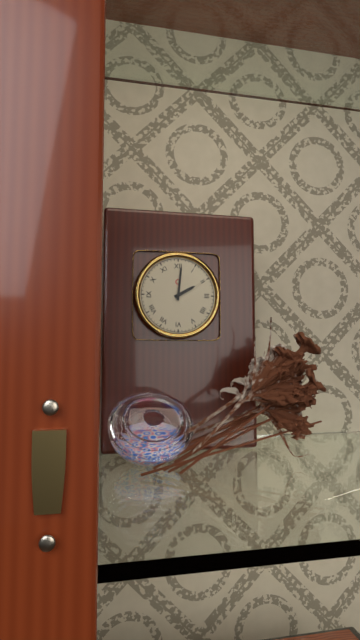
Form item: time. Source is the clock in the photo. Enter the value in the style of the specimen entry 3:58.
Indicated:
2:01
